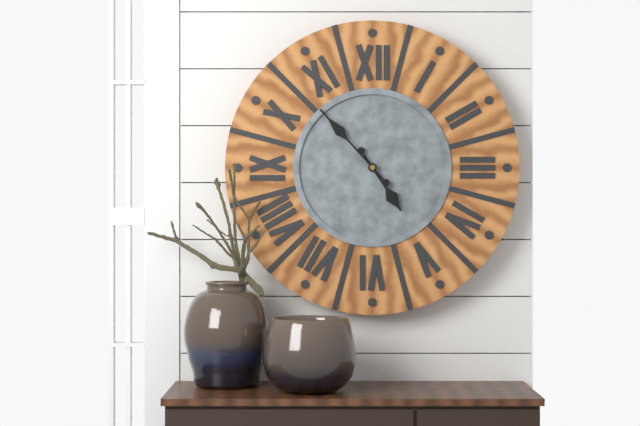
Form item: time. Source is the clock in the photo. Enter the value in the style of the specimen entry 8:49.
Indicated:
4:53
